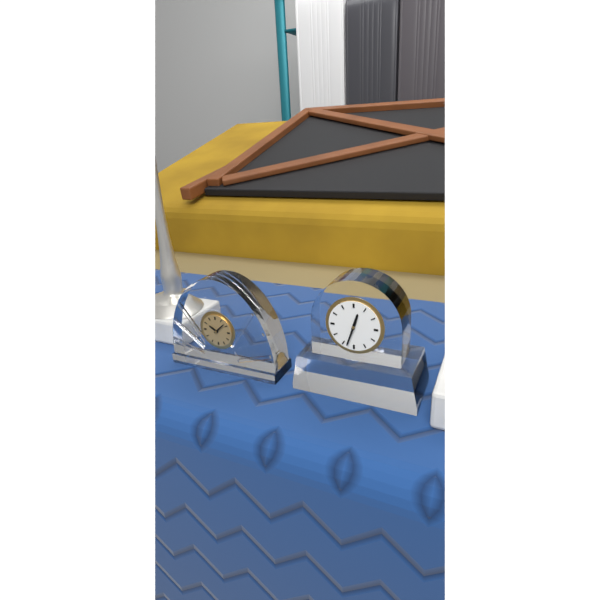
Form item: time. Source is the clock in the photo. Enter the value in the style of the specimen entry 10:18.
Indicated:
12:33
